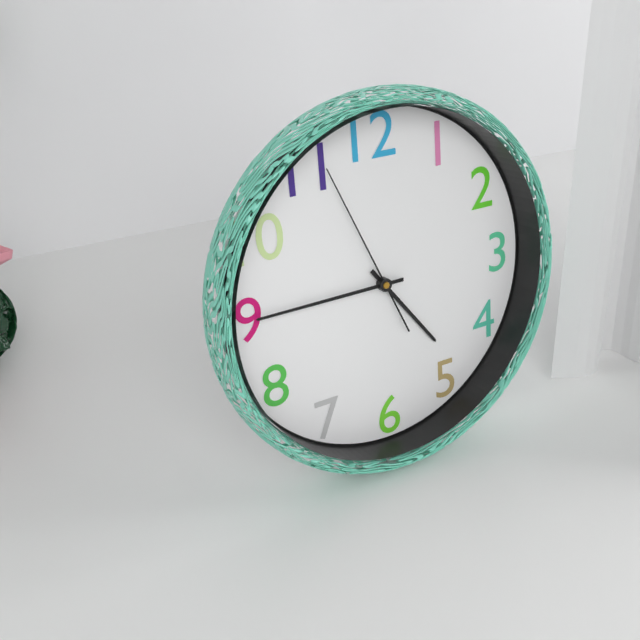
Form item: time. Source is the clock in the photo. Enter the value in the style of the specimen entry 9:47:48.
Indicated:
4:45:56
